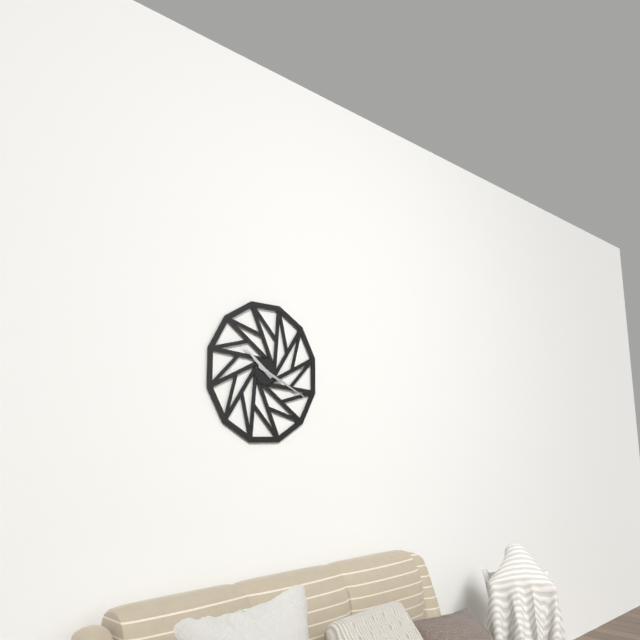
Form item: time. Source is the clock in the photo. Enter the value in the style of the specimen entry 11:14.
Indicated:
10:19
